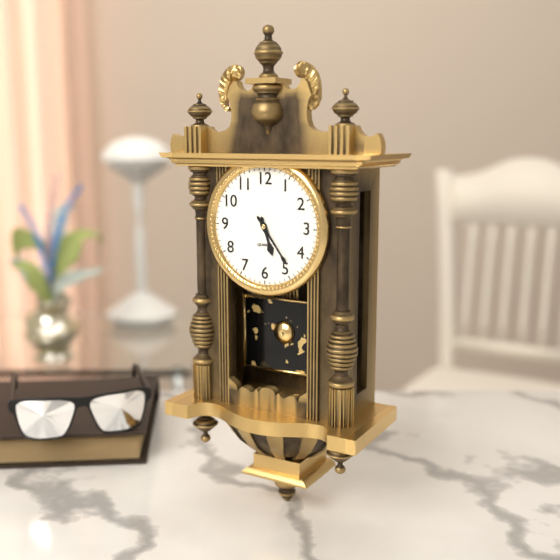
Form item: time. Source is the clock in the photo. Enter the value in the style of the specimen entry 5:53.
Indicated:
5:24
